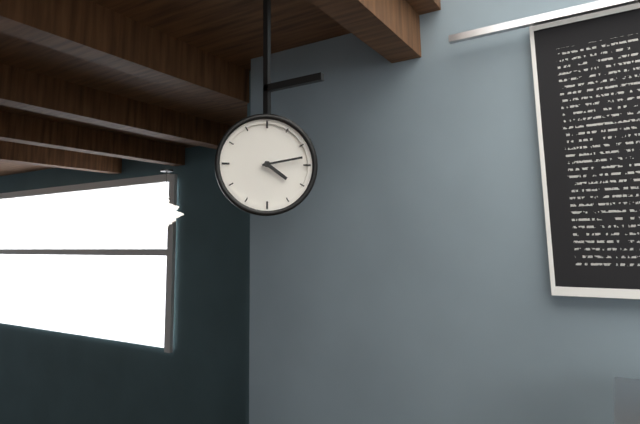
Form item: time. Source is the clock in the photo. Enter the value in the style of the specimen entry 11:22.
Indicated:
4:13
